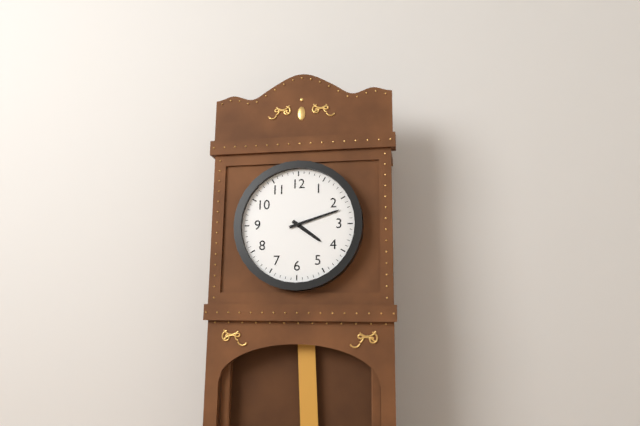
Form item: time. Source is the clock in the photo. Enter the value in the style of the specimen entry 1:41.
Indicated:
4:12
